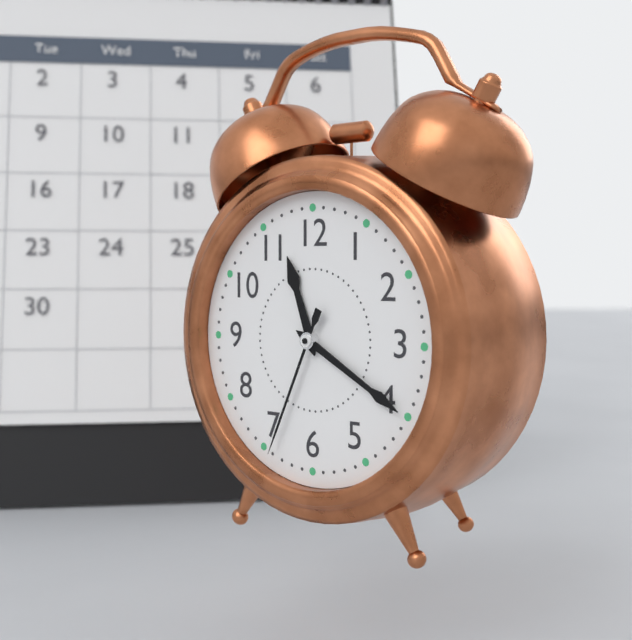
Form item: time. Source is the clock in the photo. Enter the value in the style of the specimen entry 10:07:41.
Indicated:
11:20:34
